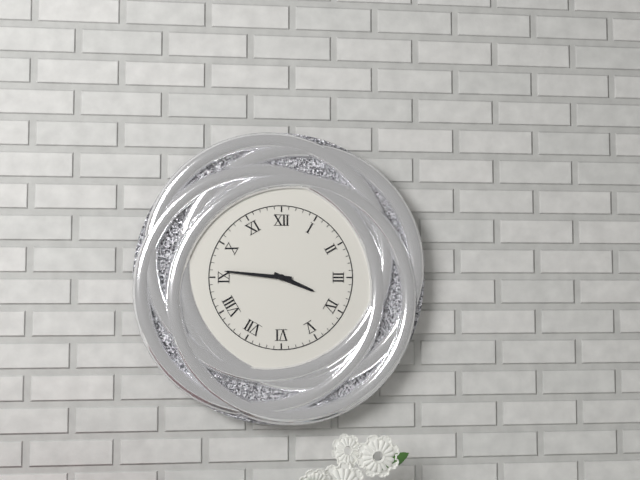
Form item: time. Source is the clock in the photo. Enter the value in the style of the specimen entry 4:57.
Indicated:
3:46
